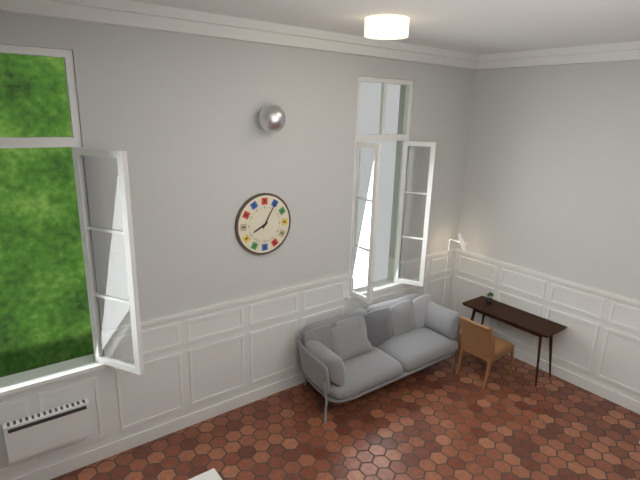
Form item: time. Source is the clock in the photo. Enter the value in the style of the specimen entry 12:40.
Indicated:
8:05
